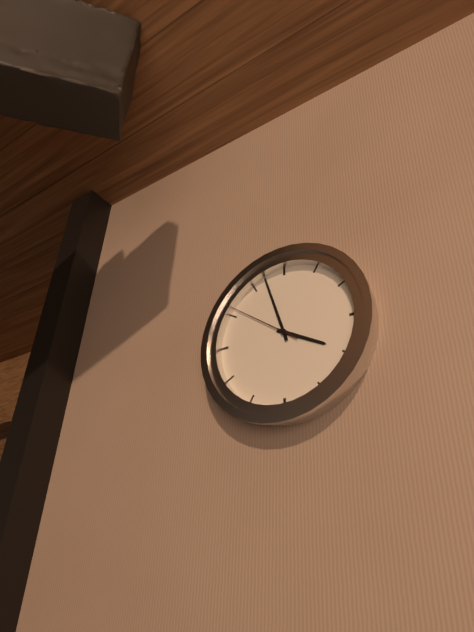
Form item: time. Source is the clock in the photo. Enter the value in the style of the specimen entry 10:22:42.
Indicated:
3:57:51
